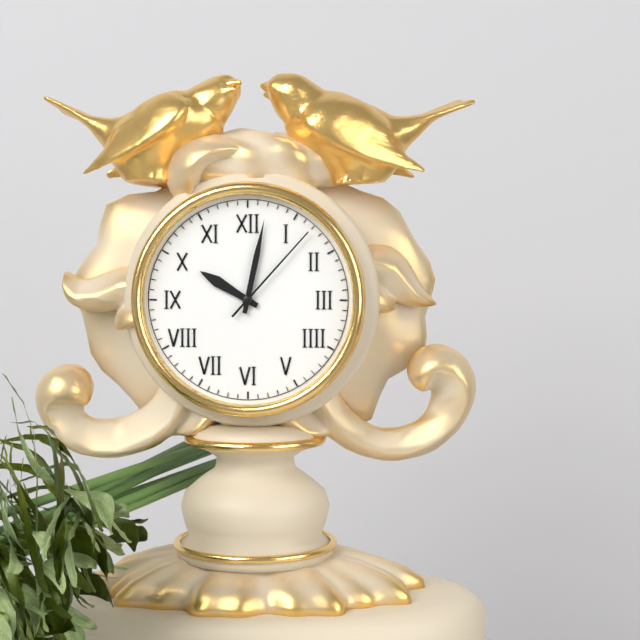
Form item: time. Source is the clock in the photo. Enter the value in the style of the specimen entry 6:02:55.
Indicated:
10:02:07
